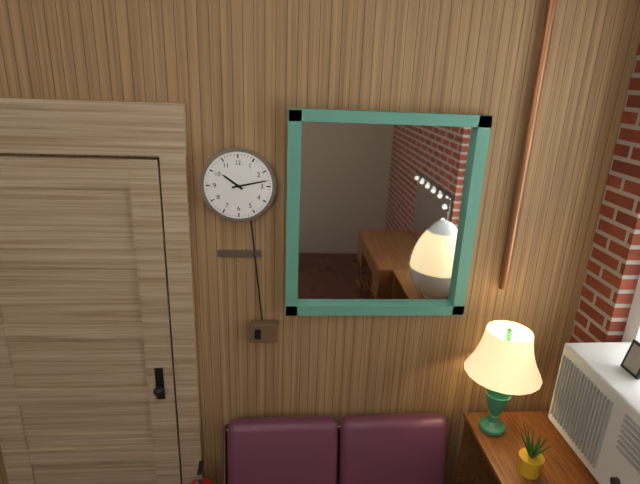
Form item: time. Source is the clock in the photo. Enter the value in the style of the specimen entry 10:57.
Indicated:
10:13
